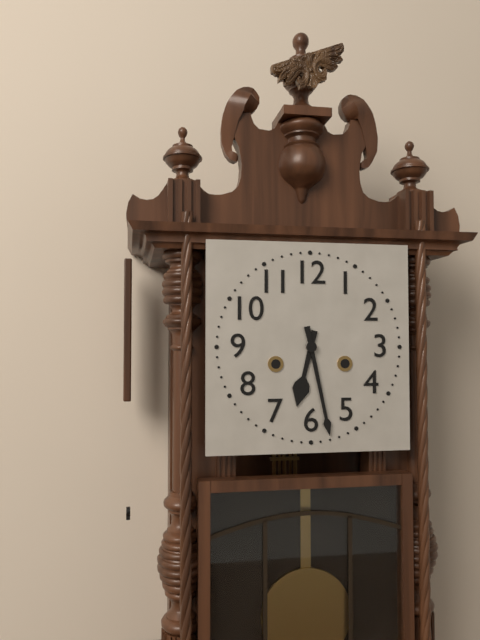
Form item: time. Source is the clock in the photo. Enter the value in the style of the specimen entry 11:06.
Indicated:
6:28
